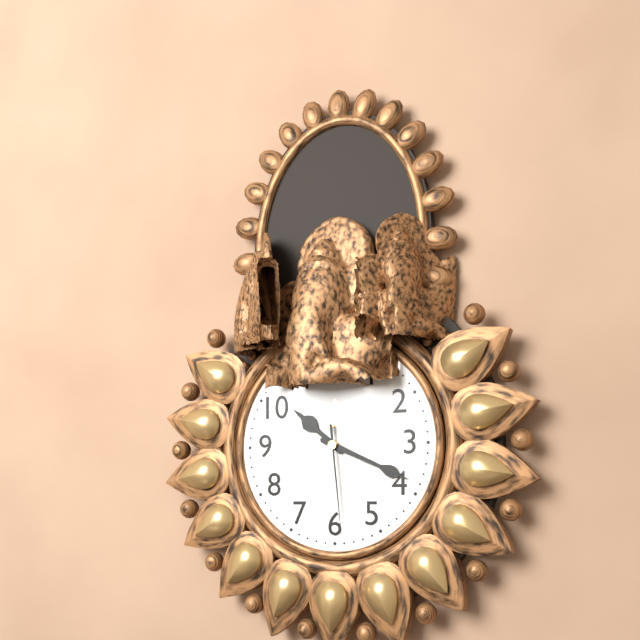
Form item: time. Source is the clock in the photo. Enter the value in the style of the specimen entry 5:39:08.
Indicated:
10:19:29
